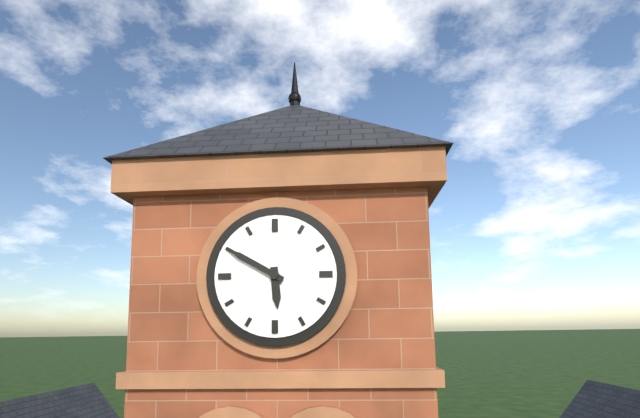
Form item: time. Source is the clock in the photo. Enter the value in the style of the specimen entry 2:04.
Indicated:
5:50
